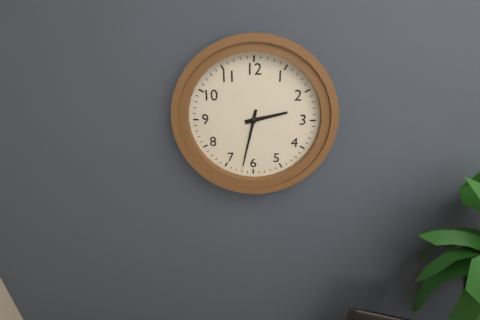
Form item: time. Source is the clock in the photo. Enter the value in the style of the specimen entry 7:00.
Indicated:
2:32
